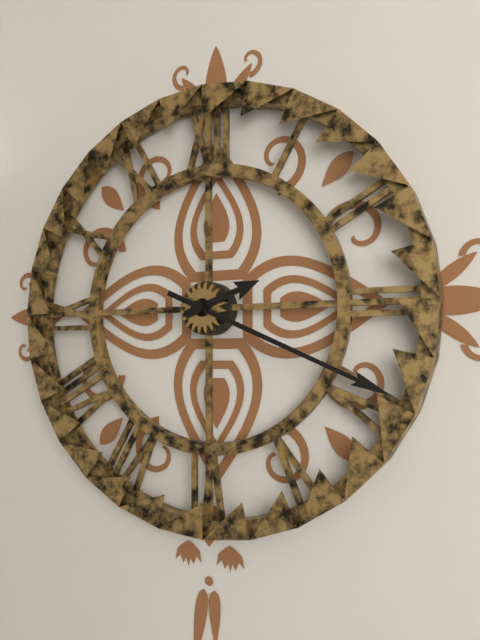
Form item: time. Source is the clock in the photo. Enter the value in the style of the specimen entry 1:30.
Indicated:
2:19
